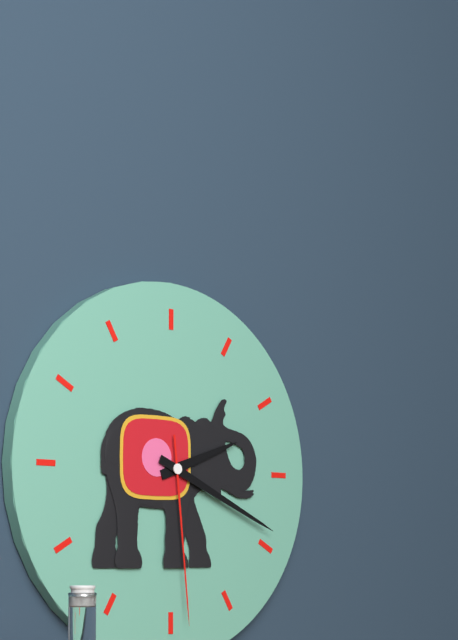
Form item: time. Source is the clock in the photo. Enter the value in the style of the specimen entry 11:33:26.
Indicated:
2:19:29
